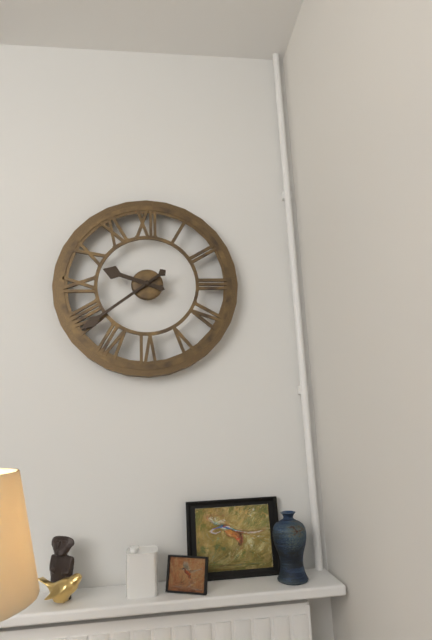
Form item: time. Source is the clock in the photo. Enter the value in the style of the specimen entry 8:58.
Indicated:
9:39
